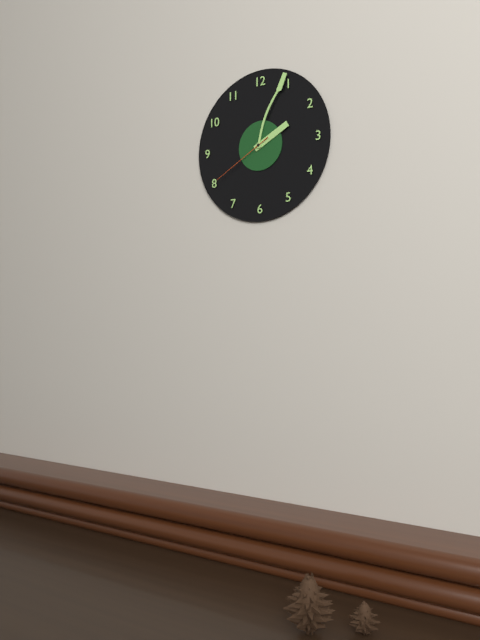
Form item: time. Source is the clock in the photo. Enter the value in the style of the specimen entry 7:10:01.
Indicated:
2:04:40
